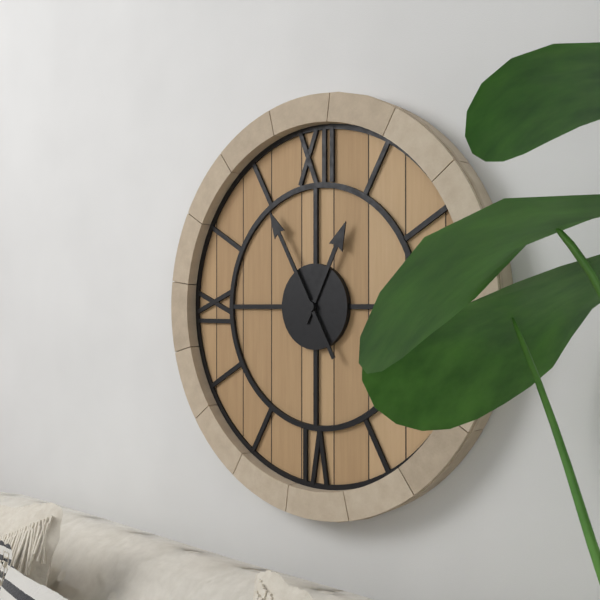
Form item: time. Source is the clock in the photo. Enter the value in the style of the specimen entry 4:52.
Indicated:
12:55
